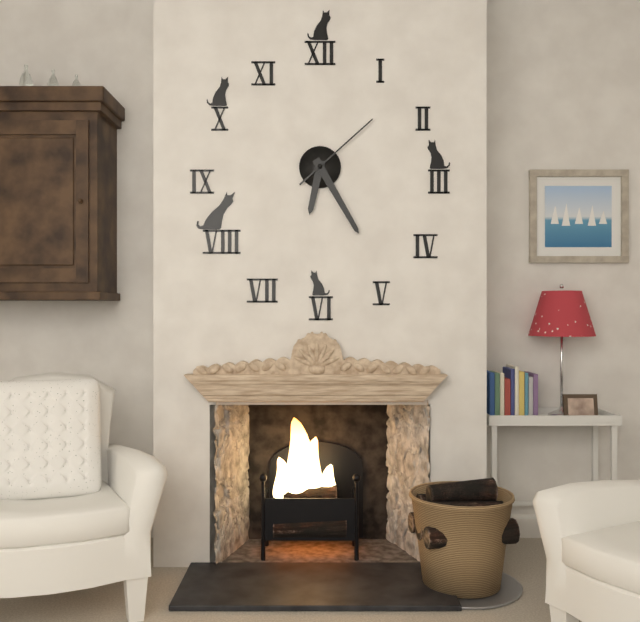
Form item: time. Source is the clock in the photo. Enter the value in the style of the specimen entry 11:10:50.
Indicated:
6:25:08
